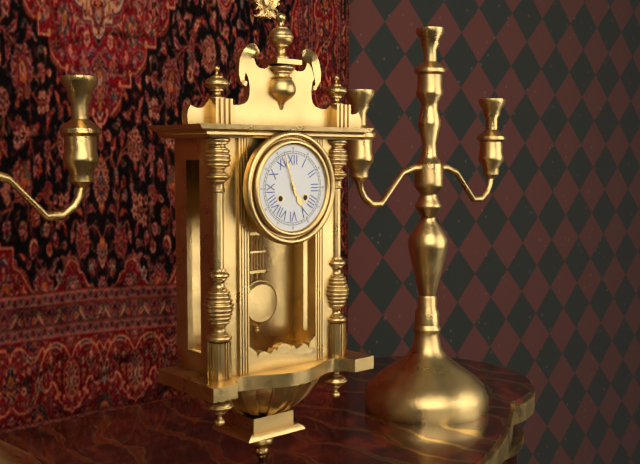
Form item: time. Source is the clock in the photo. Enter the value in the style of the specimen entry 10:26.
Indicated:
4:57
